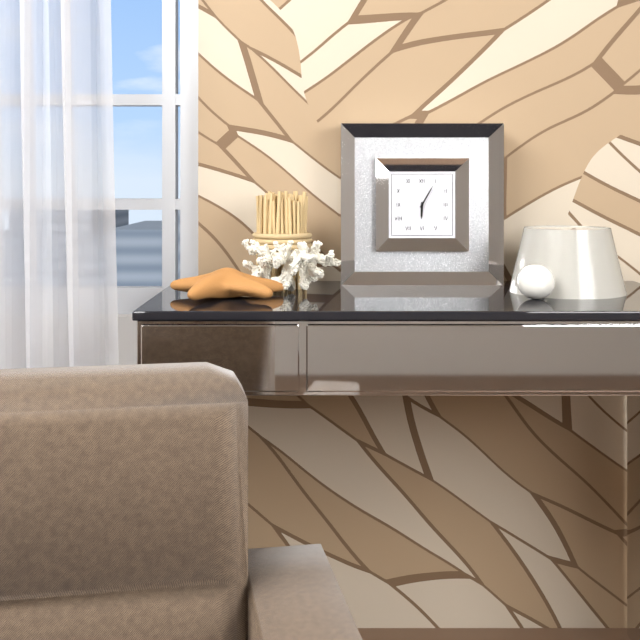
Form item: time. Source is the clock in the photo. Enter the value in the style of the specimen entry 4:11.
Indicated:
6:05
